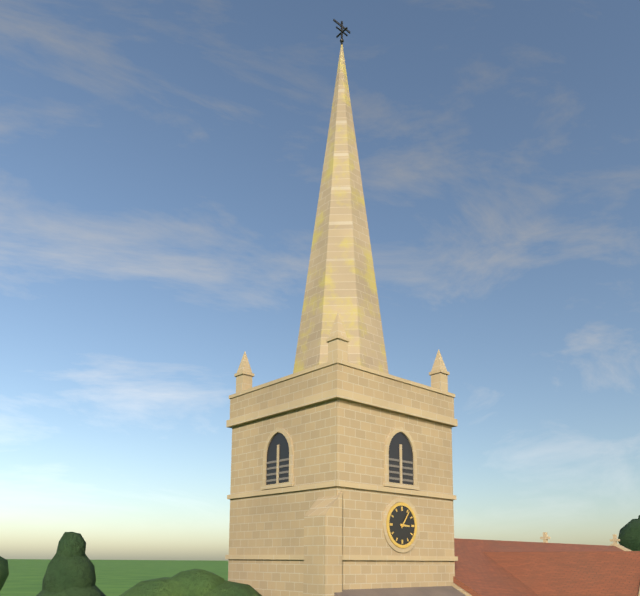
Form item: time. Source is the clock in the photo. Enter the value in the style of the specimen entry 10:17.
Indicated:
3:06
